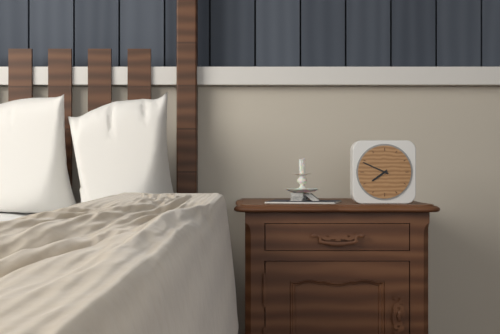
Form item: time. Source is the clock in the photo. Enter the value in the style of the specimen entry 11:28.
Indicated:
7:49
